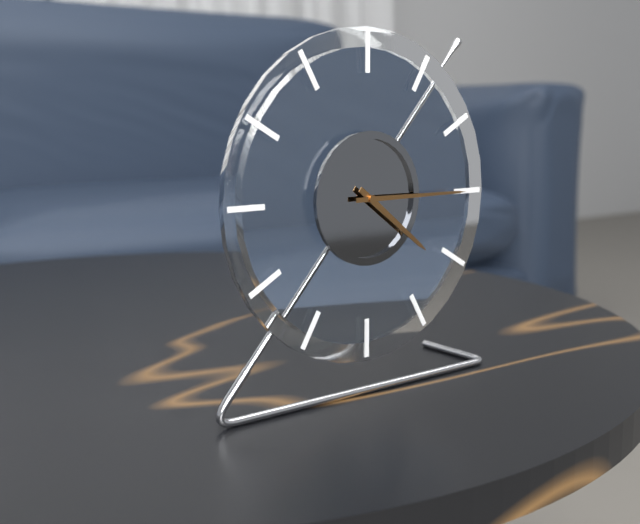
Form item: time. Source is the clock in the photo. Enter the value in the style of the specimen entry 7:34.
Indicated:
4:15
